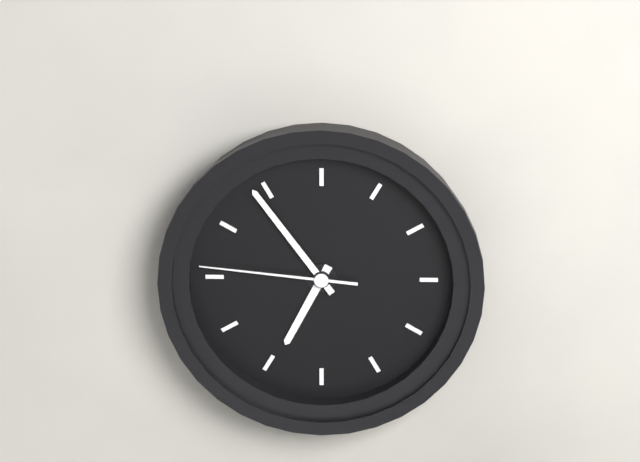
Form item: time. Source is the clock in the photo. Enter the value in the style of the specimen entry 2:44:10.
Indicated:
6:54:46
